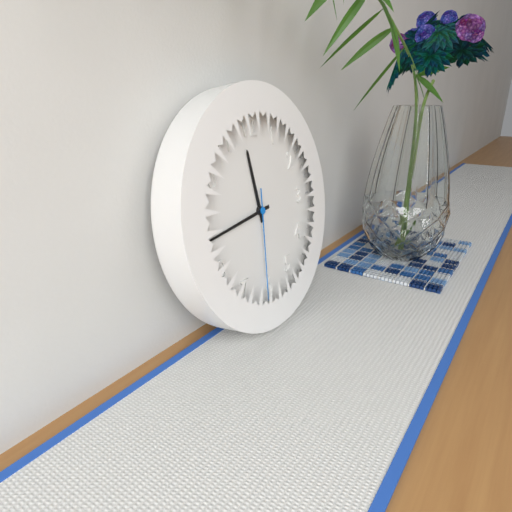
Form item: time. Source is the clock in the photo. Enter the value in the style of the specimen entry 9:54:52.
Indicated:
11:44:31
